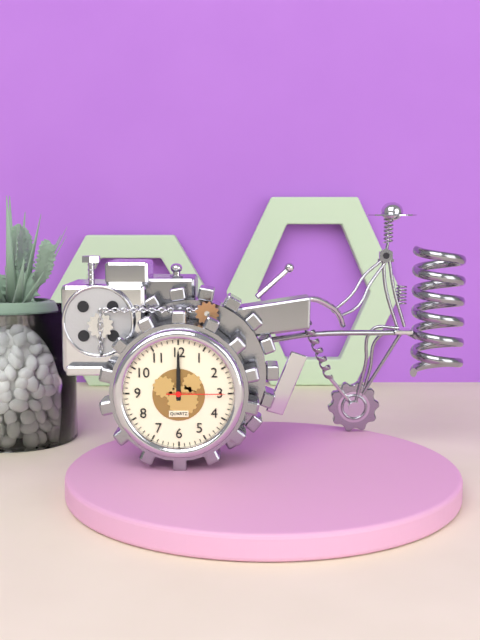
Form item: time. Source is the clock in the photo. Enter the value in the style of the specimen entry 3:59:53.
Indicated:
12:00:15
